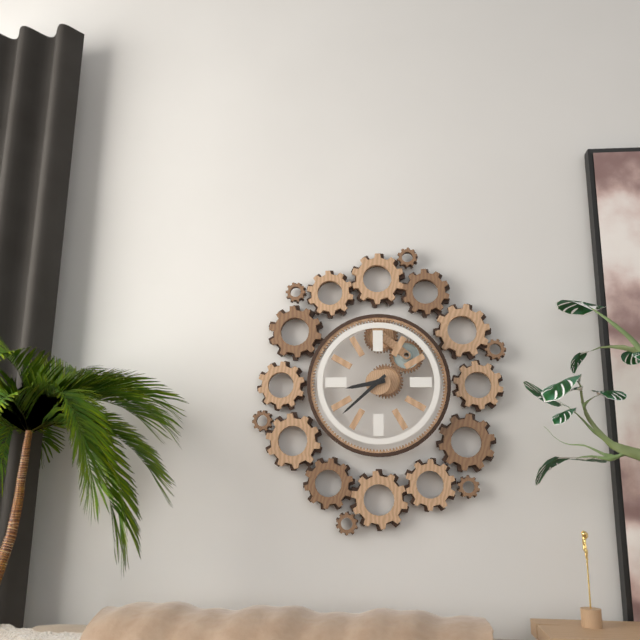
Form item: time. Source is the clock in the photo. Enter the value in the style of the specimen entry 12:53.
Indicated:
8:38
